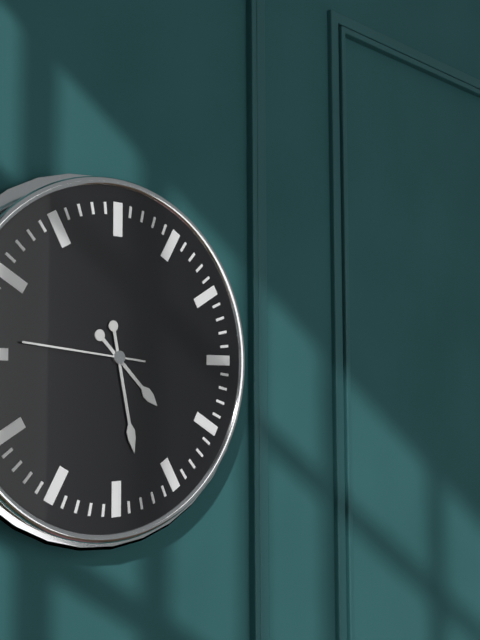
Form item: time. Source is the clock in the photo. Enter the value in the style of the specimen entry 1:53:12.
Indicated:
4:28:46
